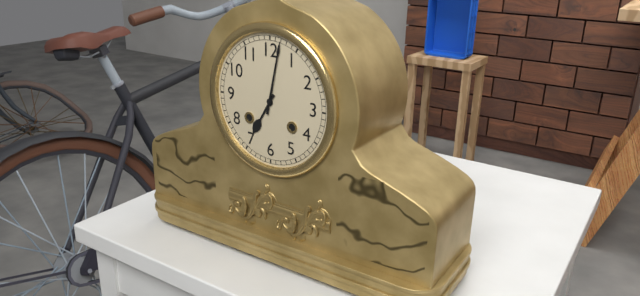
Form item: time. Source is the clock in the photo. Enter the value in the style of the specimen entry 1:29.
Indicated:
7:02
